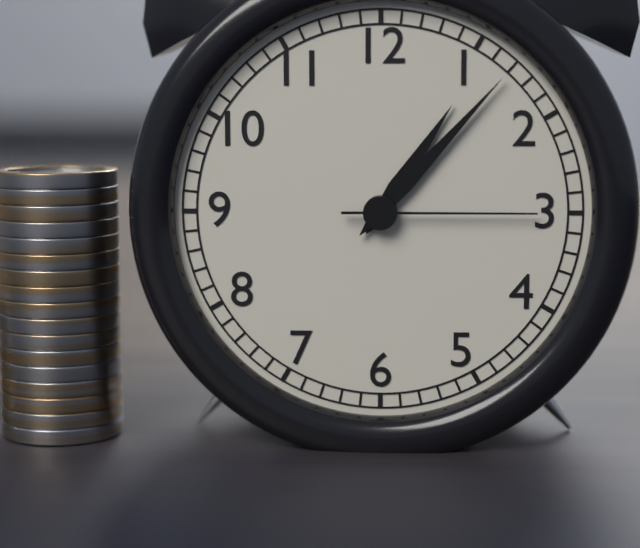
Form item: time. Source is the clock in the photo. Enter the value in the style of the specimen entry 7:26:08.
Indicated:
1:07:15
